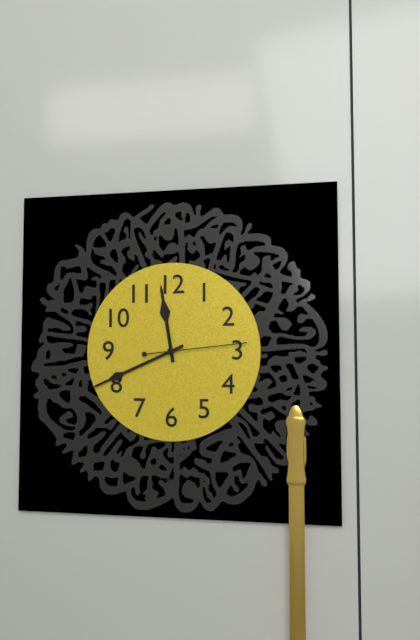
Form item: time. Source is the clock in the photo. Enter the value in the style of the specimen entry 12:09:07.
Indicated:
11:41:14
